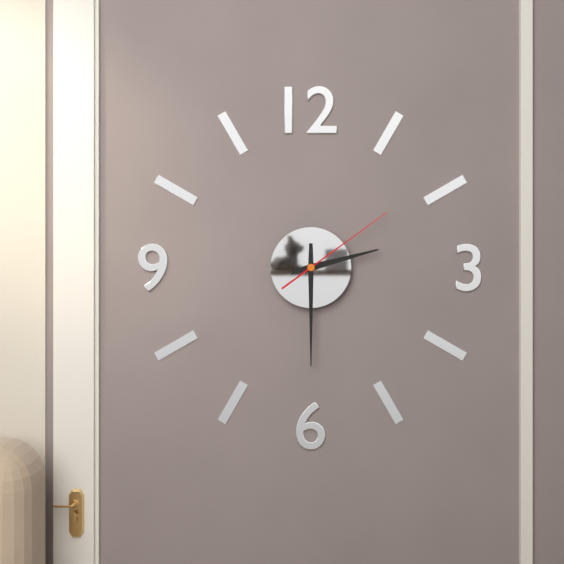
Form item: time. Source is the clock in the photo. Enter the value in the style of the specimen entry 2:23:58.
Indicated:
2:30:09
